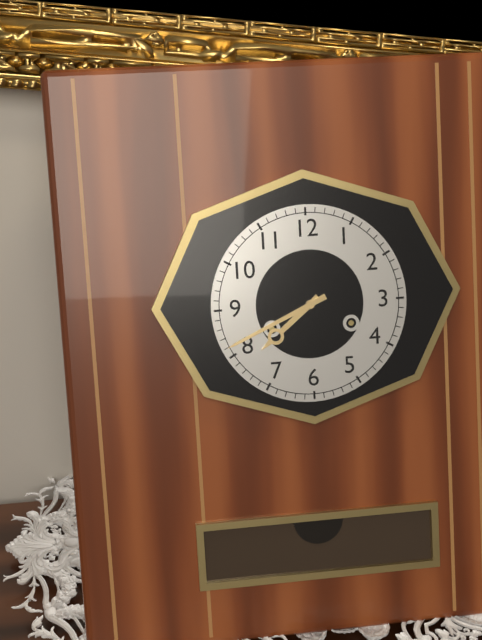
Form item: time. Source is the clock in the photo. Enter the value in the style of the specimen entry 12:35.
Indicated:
7:41
